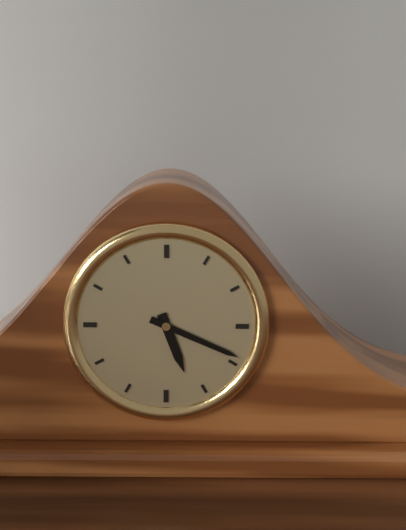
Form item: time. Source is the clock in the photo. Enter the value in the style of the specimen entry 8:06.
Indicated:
5:19
